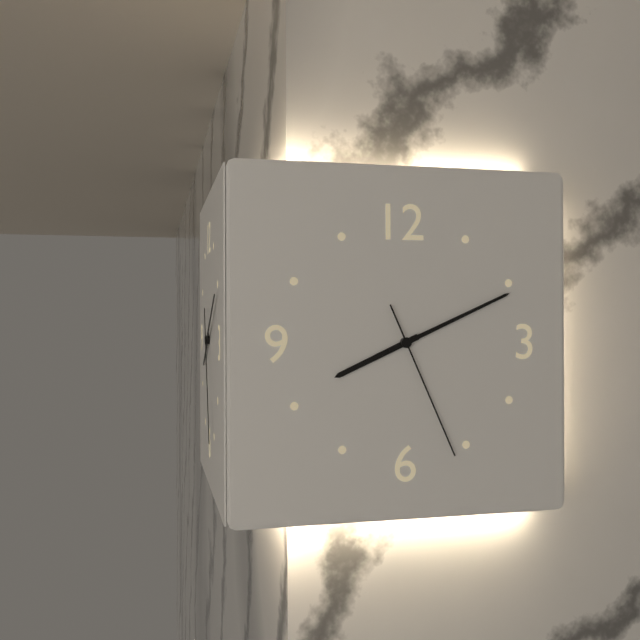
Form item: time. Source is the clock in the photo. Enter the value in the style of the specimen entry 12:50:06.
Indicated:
8:11:26
